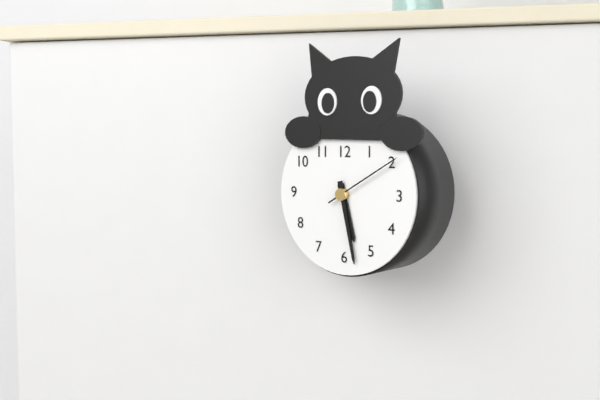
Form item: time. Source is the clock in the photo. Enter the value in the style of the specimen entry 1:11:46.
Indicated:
5:28:10
